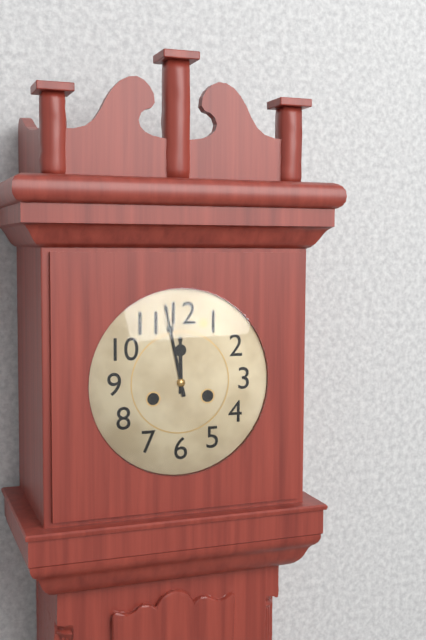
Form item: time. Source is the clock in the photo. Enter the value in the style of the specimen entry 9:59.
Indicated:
11:58
